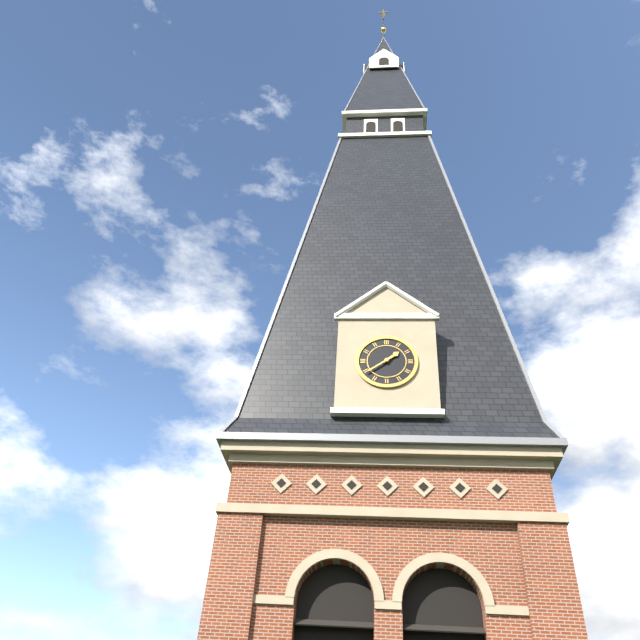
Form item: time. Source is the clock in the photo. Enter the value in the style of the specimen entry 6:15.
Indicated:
1:39
